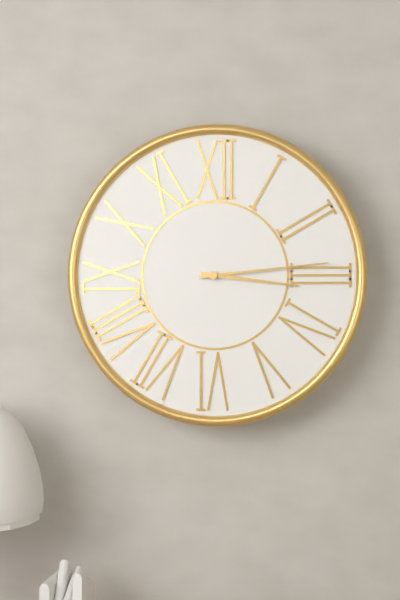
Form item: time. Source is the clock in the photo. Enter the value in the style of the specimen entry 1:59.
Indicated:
3:14
